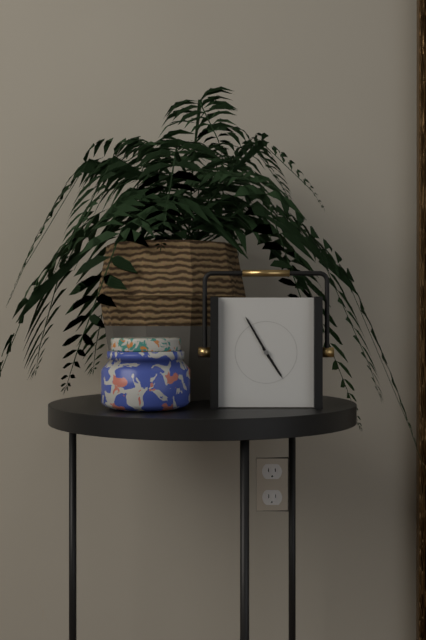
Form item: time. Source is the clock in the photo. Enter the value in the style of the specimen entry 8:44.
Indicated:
4:55
